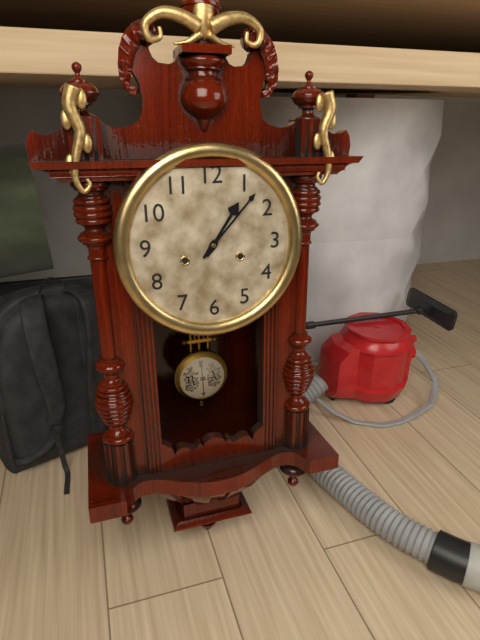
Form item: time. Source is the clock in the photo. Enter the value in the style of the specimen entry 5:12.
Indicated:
1:07
